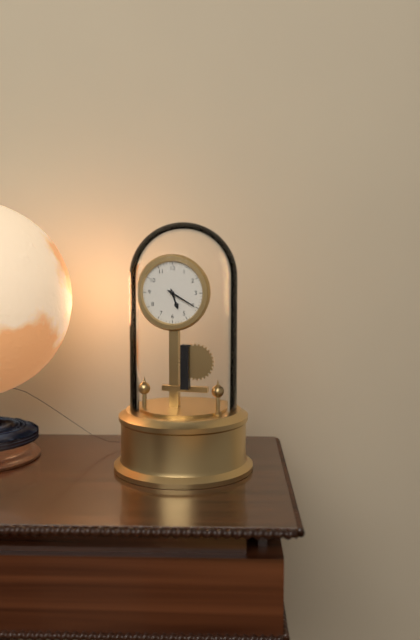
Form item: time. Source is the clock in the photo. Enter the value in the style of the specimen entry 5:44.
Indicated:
5:20
